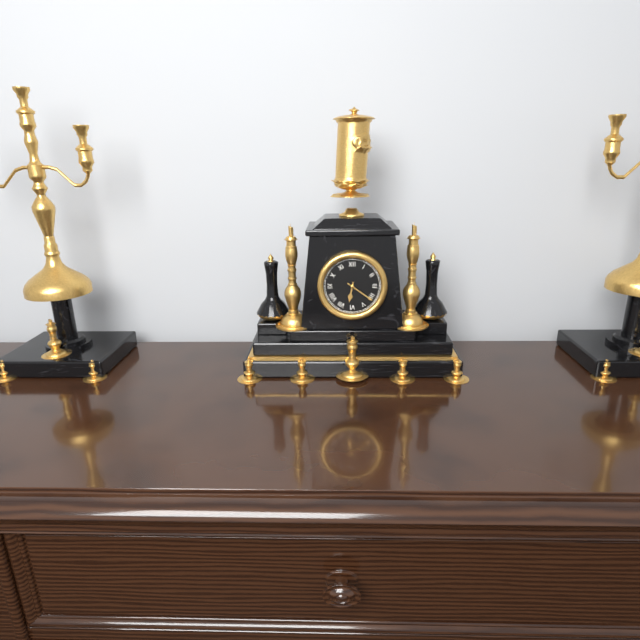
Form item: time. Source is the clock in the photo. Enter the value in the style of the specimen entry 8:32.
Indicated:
6:21
